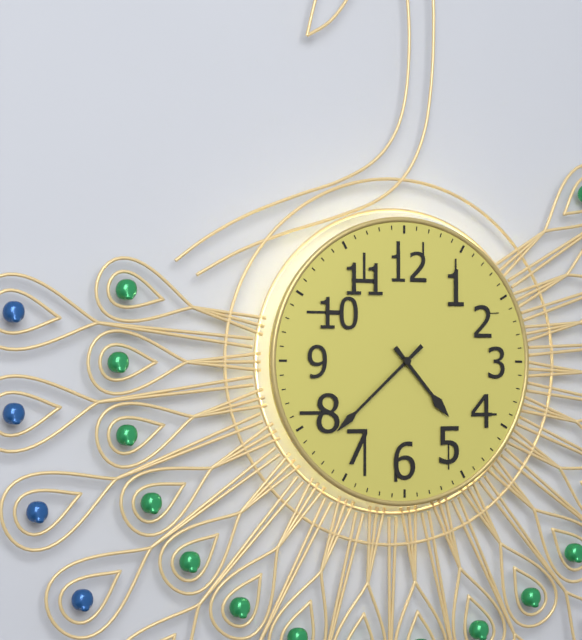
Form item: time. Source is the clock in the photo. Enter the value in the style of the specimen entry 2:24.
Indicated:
4:38
